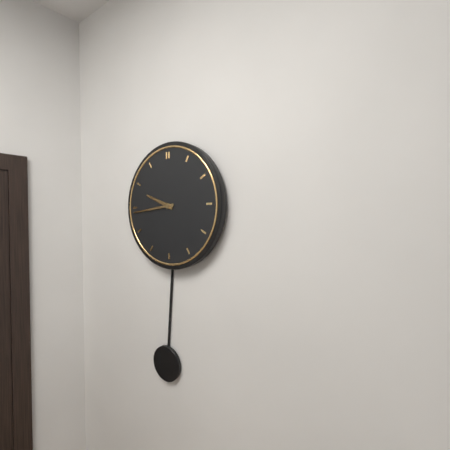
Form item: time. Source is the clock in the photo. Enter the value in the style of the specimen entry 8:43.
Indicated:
9:44
